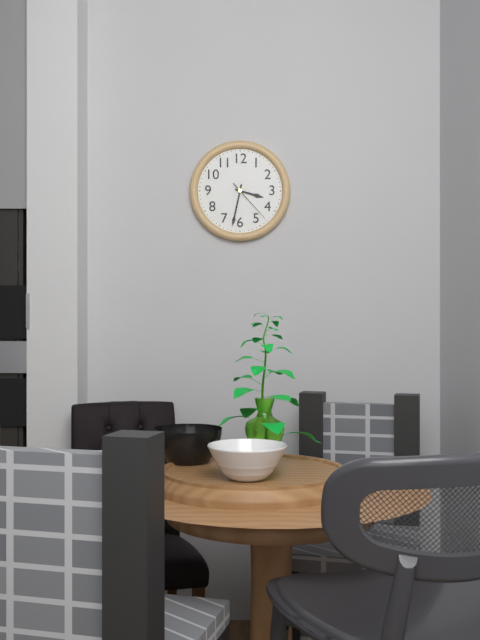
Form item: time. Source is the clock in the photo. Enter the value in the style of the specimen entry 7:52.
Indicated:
3:32
